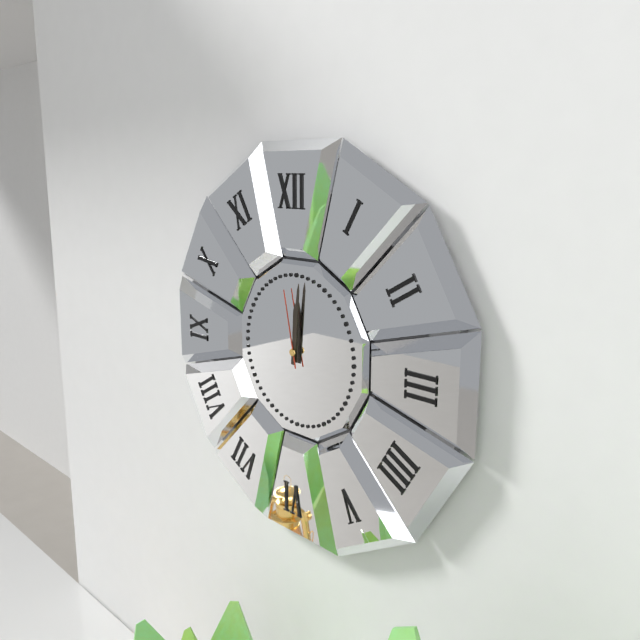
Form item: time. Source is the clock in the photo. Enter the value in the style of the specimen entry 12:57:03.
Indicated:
12:01:58
